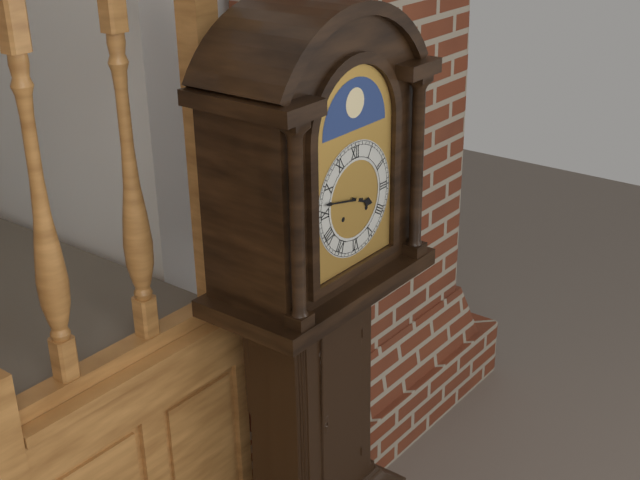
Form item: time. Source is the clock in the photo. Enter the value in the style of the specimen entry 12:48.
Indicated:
3:47
